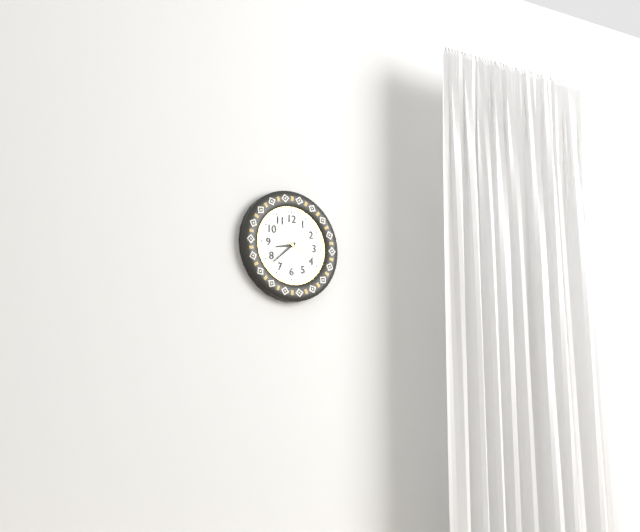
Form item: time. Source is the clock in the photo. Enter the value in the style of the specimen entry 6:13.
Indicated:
8:38
